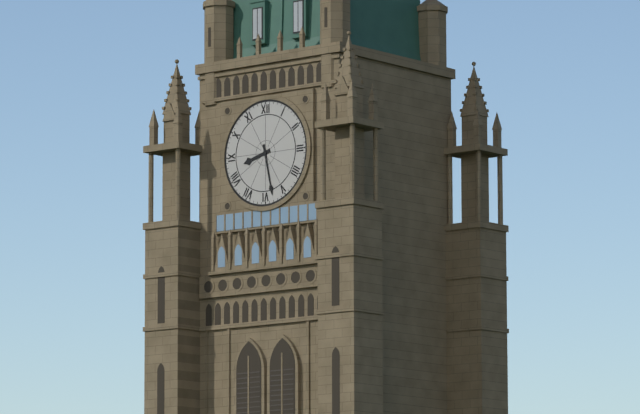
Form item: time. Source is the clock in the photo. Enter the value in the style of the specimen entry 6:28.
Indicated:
8:28
